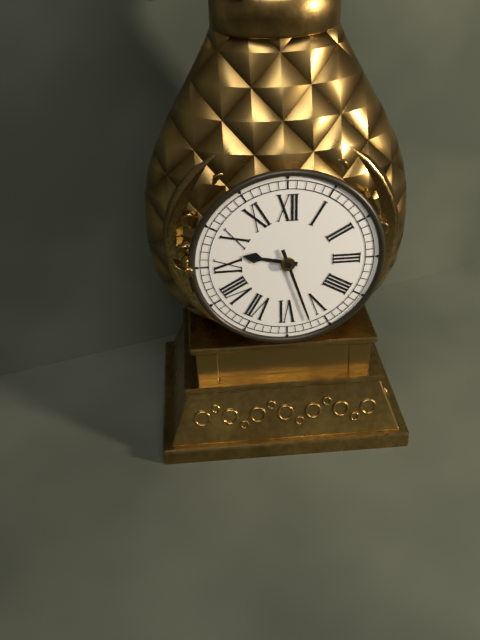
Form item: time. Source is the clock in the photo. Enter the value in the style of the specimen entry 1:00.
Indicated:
9:27
